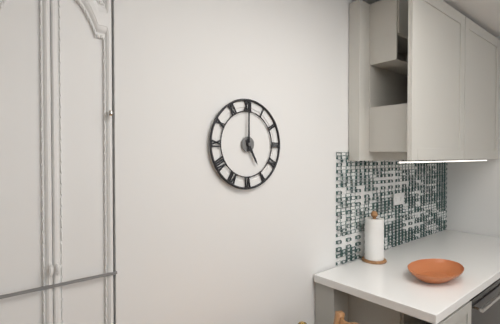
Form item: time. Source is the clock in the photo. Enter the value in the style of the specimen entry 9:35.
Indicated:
5:00
